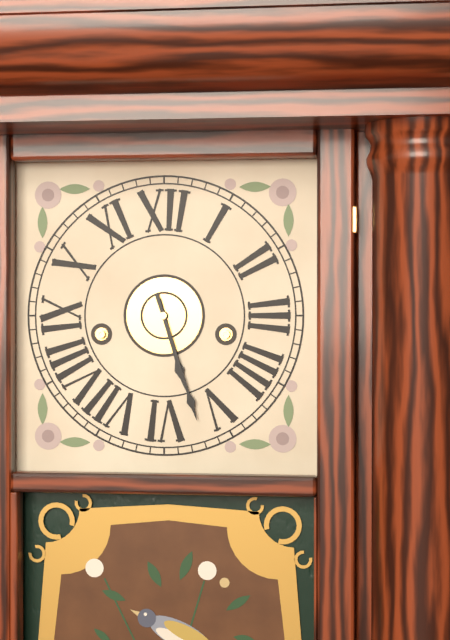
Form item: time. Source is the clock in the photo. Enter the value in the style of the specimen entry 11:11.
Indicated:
5:27
